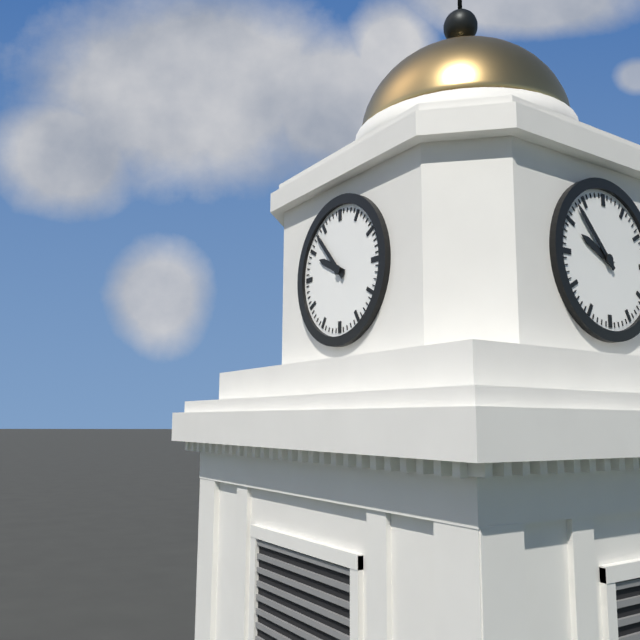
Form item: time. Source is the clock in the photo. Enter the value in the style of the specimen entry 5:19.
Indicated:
9:53
